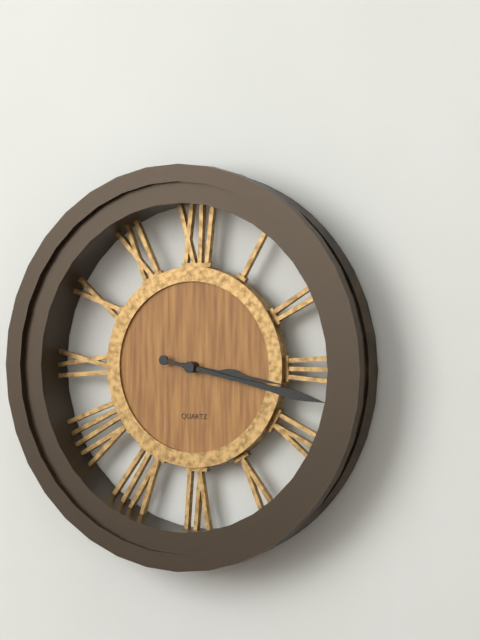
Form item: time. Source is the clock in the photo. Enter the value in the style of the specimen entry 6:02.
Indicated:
3:17
